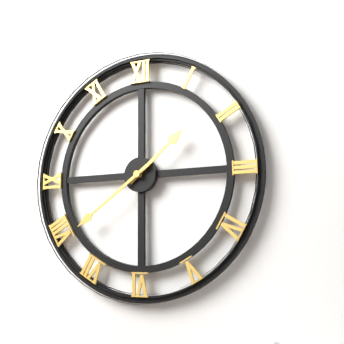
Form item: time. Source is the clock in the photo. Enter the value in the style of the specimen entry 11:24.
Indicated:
1:39
